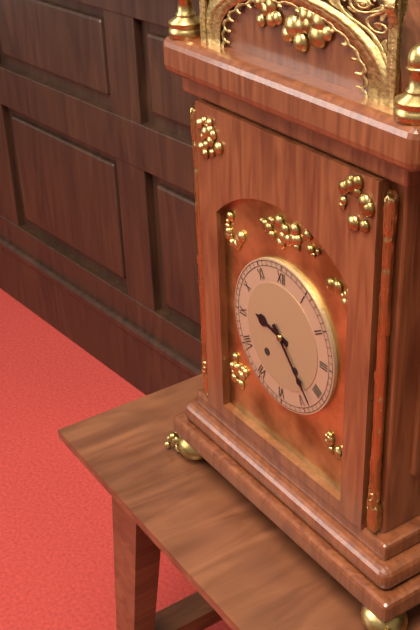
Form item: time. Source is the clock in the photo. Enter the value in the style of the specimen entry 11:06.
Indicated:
9:23
